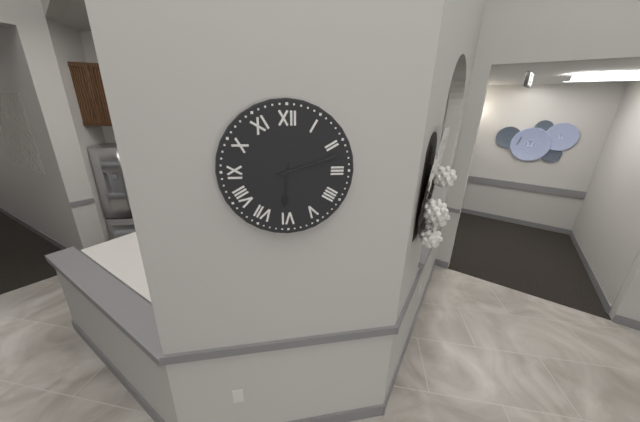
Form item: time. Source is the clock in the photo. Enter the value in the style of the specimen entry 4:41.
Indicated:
6:12
